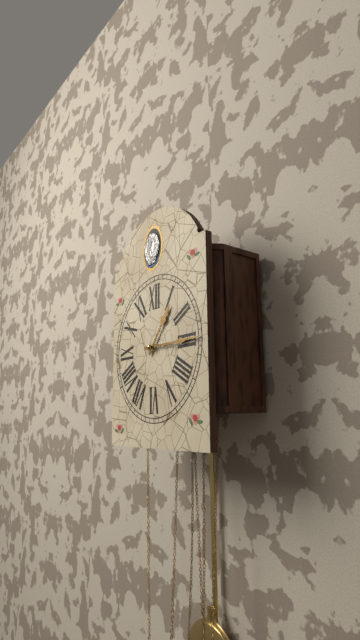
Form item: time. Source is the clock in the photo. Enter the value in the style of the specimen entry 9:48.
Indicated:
1:15
